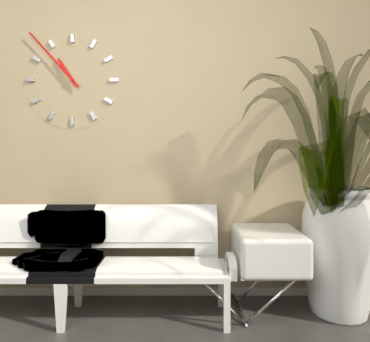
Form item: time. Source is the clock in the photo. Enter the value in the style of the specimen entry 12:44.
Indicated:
10:53
